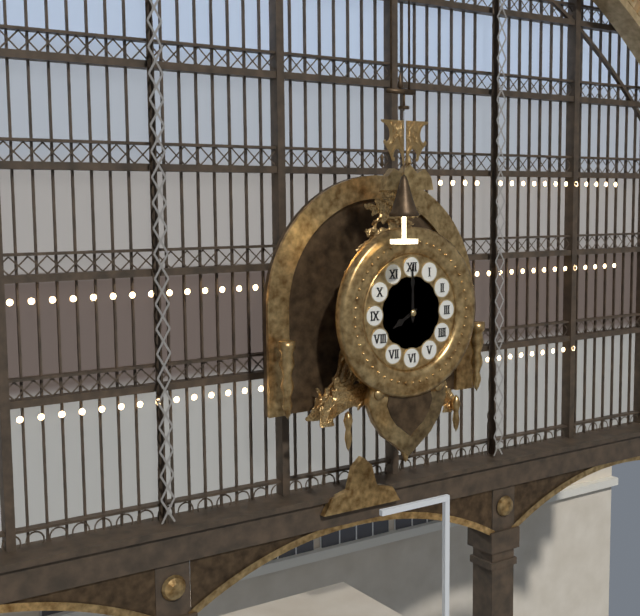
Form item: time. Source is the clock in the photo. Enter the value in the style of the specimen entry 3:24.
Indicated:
8:00
